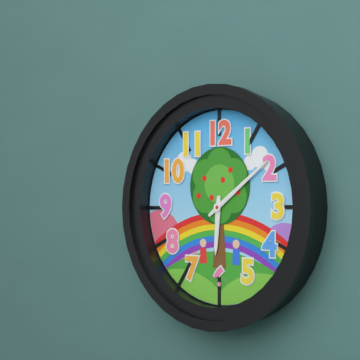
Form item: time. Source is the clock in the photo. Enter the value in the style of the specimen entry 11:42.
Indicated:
6:09
